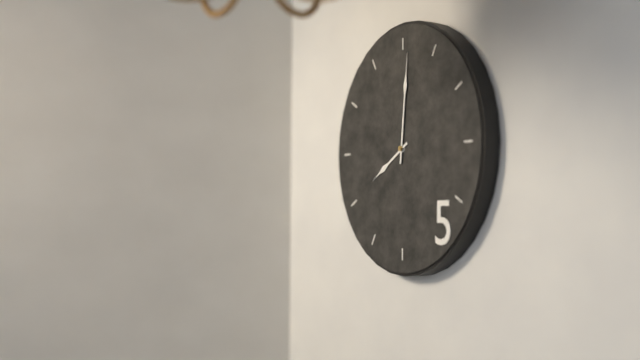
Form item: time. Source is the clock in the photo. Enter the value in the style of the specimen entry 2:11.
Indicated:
8:01
